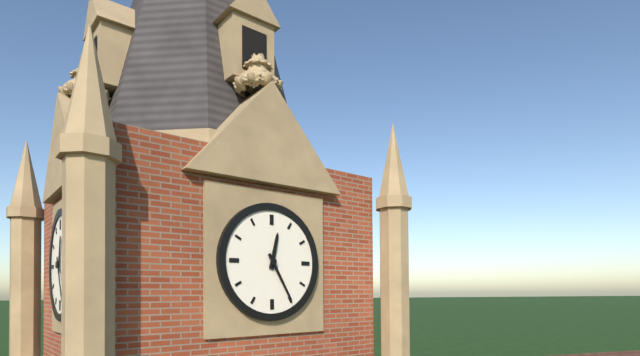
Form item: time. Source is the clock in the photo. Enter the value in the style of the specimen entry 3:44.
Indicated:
12:25
